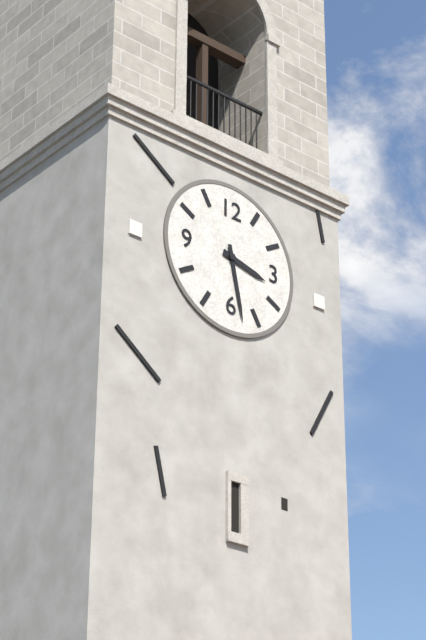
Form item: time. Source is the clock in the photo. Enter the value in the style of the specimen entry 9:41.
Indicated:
3:28
